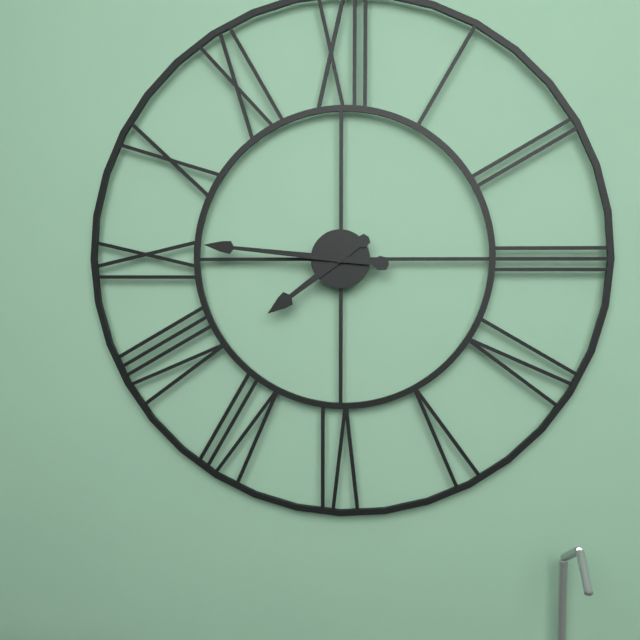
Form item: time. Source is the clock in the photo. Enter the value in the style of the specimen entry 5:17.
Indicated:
7:46
